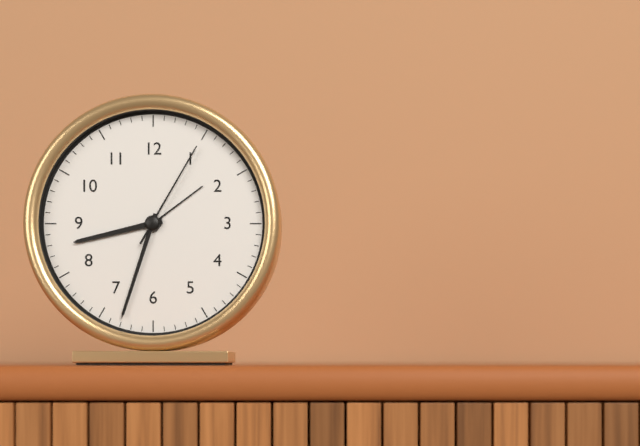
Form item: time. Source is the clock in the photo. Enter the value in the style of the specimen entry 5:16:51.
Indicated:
8:33:05
